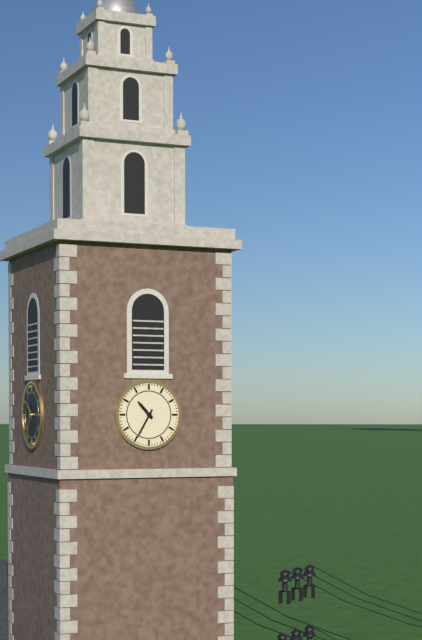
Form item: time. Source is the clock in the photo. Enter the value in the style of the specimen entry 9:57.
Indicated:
10:35
